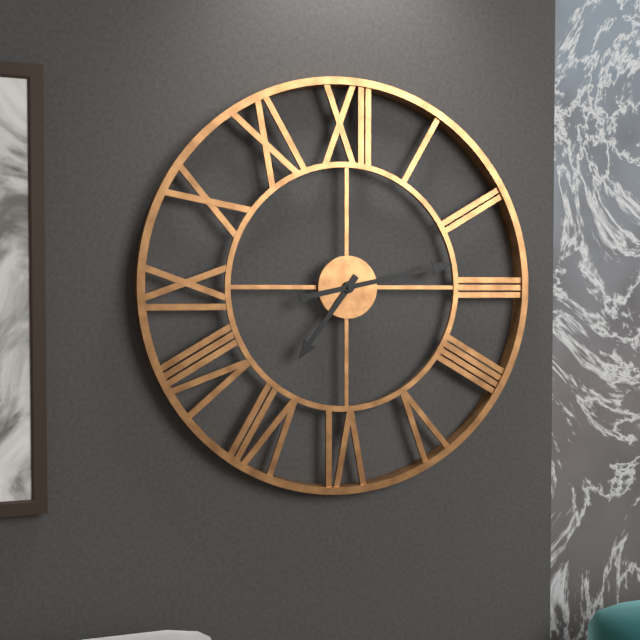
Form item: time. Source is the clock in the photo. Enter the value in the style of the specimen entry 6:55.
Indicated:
7:13
